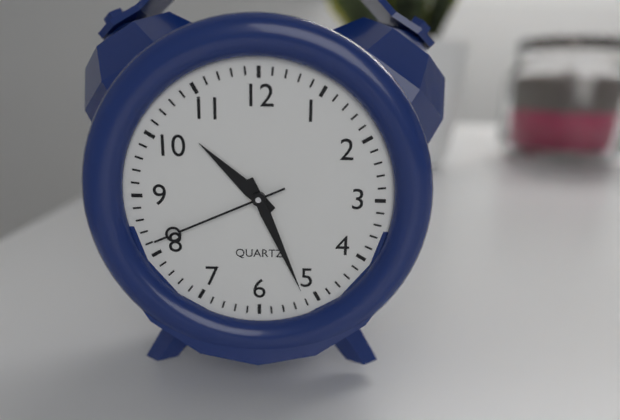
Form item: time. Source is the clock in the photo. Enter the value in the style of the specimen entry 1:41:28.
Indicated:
10:26:41
